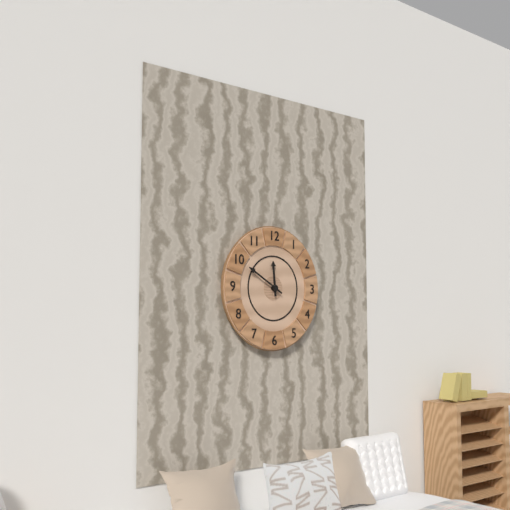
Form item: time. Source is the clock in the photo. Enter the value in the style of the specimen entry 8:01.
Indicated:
11:50
